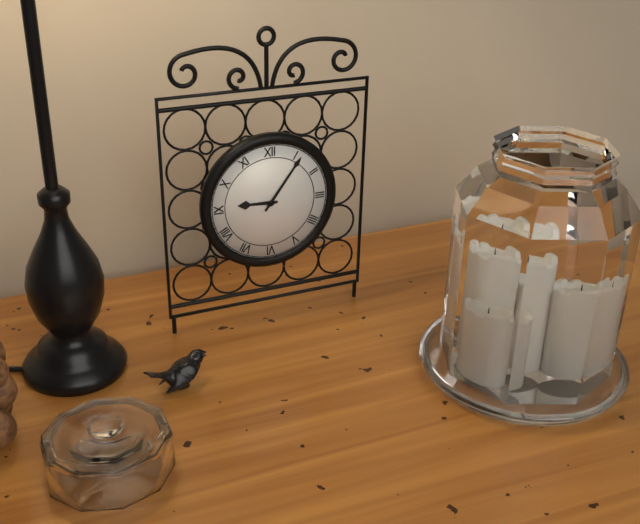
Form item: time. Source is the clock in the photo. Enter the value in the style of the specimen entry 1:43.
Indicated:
9:06
